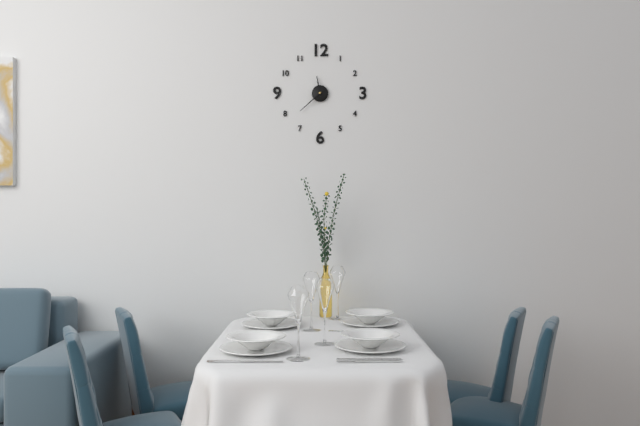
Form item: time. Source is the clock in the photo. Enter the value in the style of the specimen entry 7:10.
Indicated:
11:38
